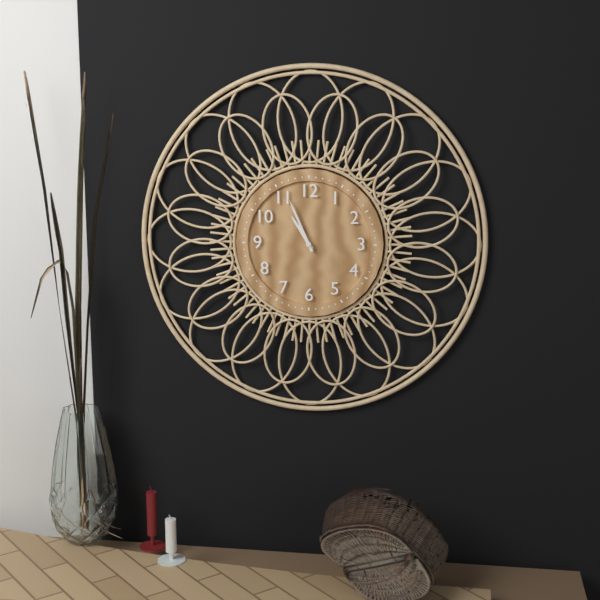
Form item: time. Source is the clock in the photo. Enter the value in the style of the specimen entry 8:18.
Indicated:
10:56
